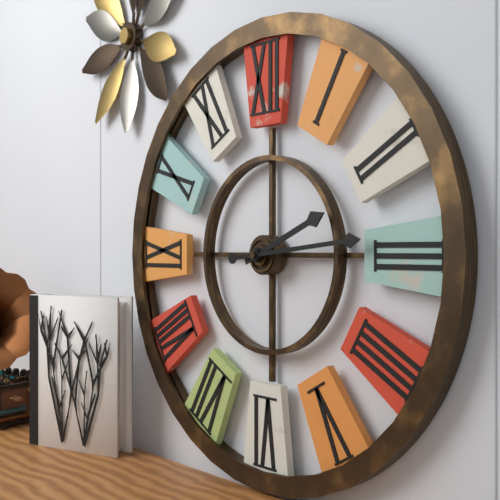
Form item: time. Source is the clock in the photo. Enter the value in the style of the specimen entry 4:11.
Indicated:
2:14
